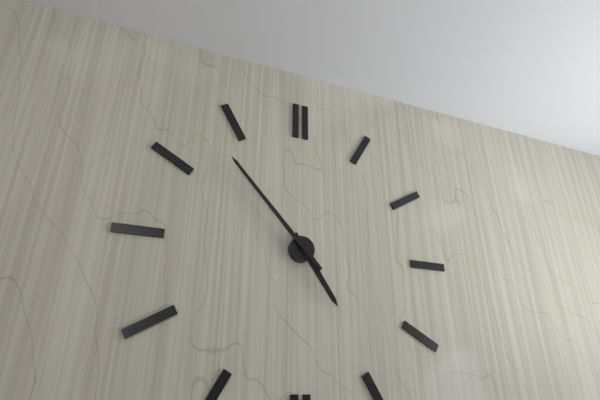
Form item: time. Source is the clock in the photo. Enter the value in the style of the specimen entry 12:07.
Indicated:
4:53
